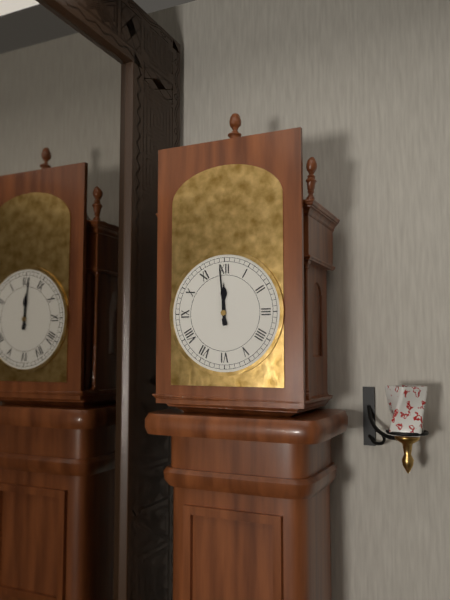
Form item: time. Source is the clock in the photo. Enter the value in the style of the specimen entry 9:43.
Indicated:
11:59
